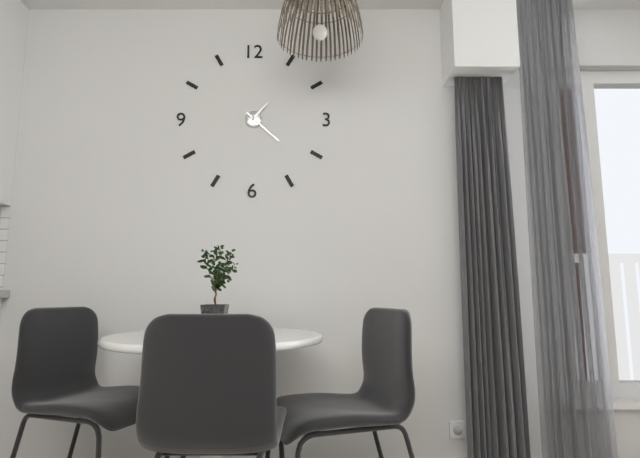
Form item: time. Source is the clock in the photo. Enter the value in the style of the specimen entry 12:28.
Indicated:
1:22
